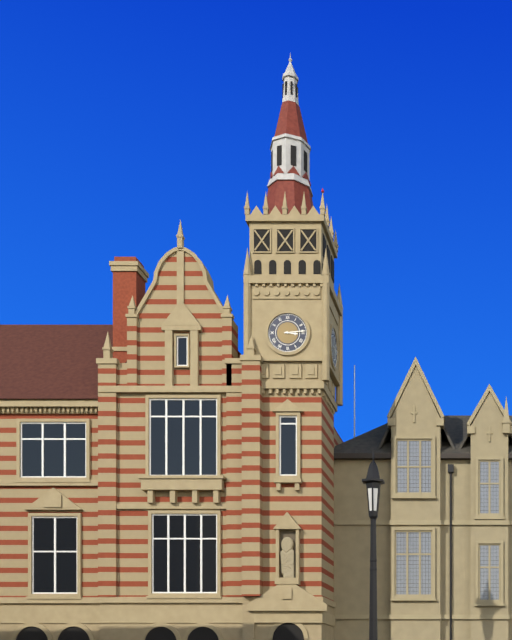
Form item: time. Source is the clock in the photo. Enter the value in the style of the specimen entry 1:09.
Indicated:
3:14
